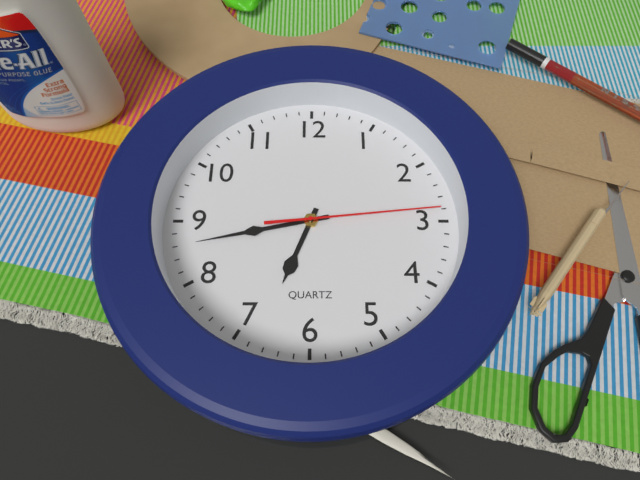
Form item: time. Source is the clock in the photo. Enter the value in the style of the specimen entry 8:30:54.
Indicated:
6:43:14
